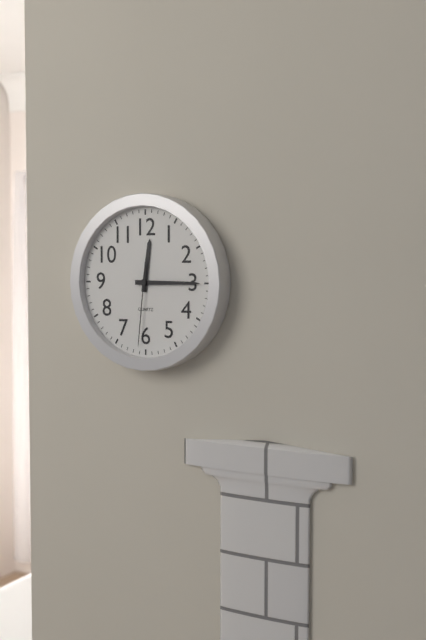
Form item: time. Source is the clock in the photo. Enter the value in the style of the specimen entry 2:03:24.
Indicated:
12:15:31
